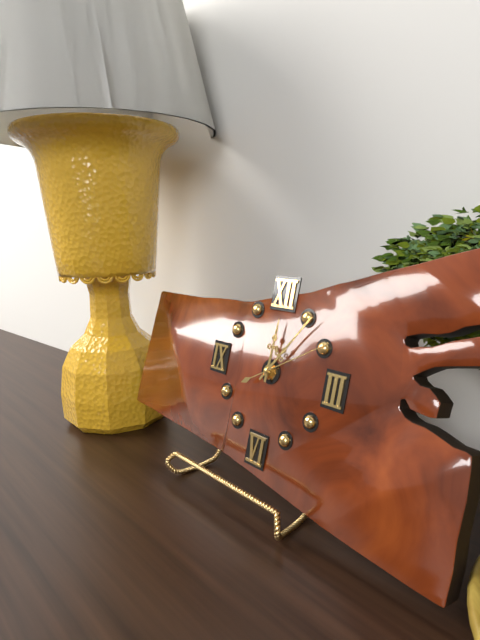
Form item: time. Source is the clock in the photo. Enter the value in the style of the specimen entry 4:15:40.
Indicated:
12:06:10
